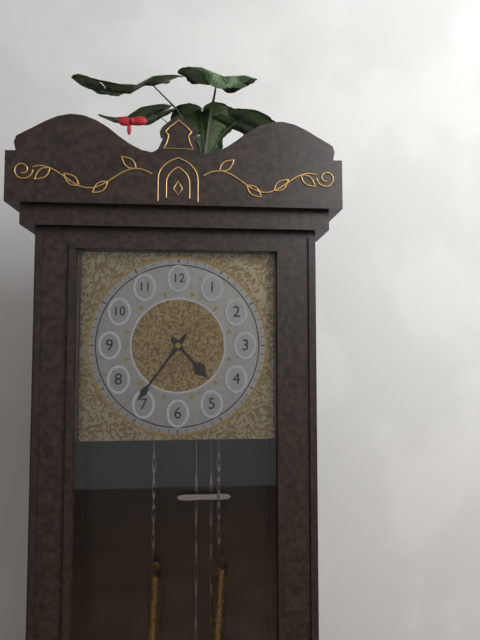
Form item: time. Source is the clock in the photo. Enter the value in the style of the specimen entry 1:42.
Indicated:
4:36
